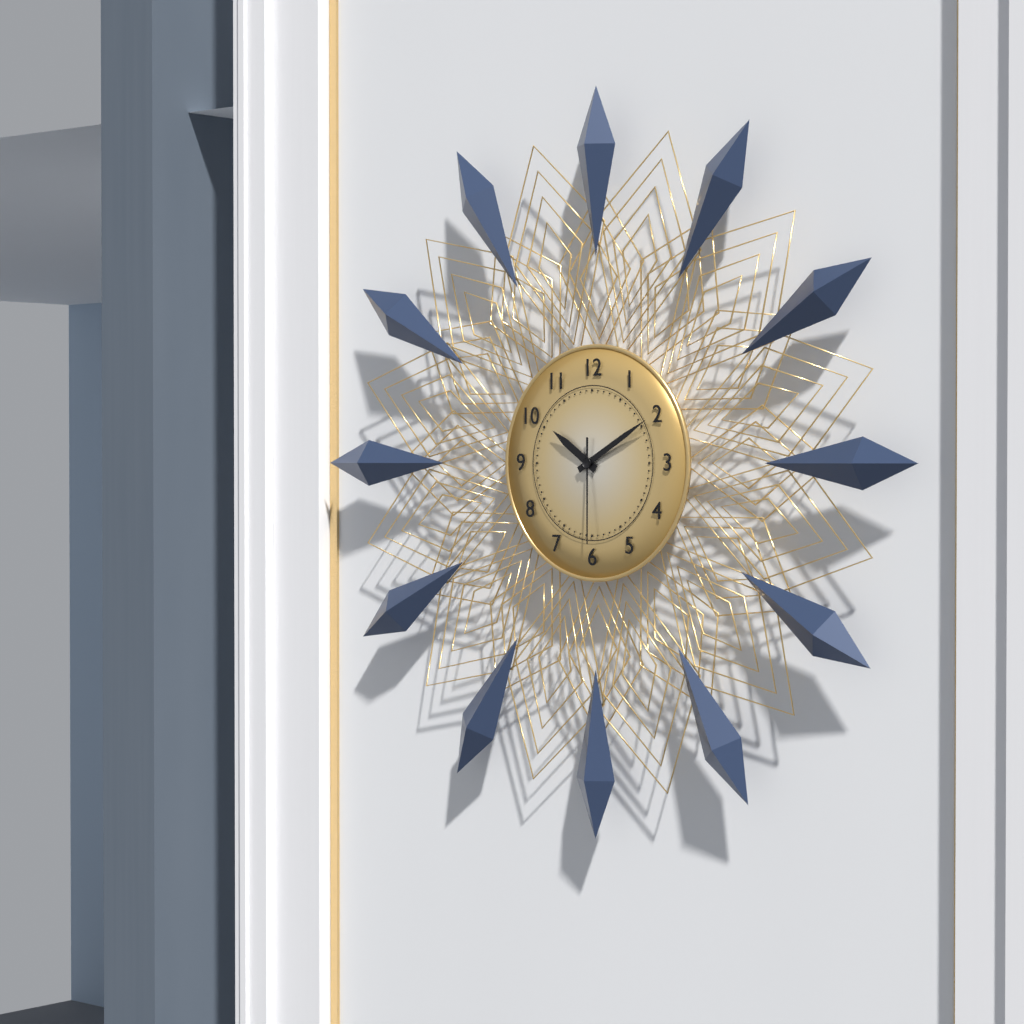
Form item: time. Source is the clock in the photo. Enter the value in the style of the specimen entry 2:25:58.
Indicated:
10:10:30
